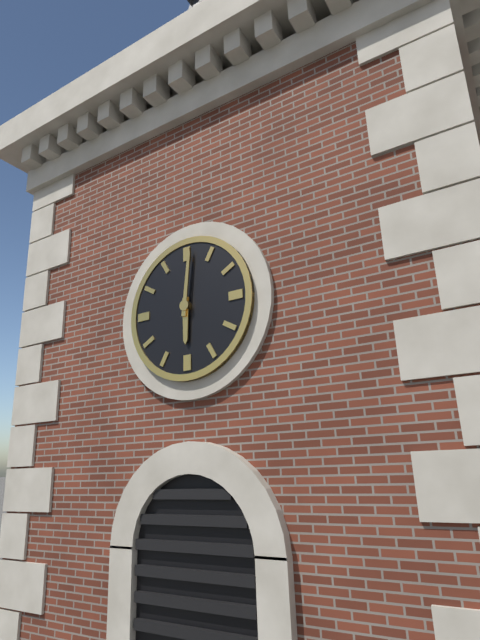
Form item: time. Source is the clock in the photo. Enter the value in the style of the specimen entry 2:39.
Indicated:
6:01
